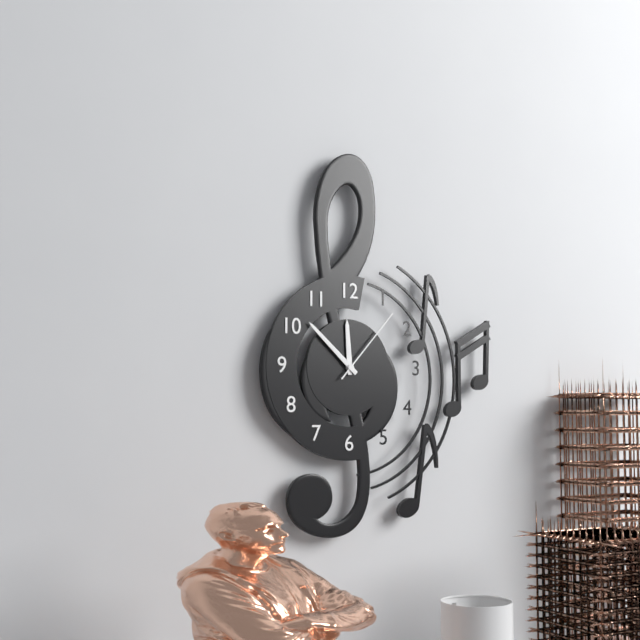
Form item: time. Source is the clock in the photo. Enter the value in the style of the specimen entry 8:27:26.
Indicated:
11:52:07
